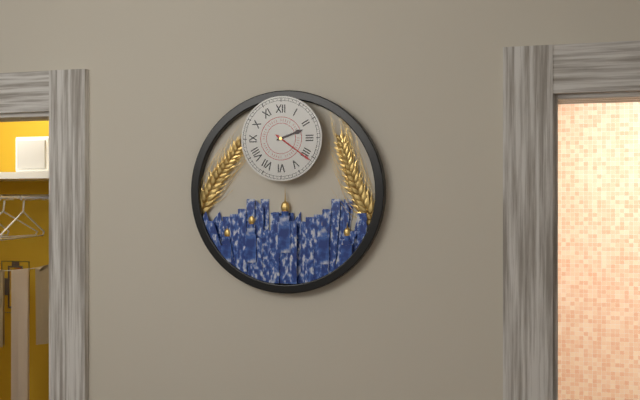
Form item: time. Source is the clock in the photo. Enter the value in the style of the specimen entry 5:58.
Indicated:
2:21
